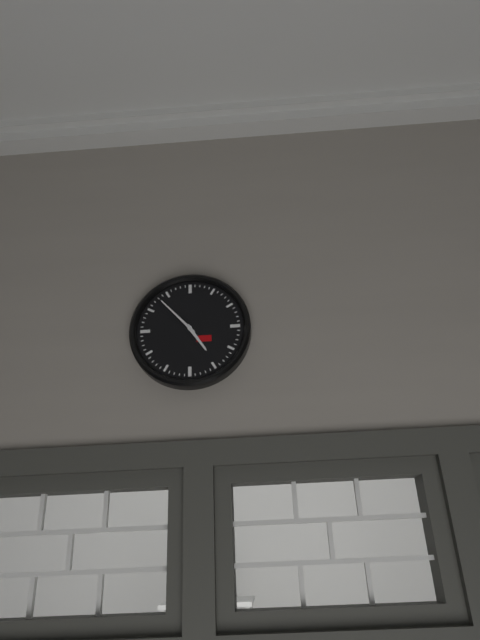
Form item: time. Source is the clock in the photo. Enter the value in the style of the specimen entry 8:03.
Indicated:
4:53
